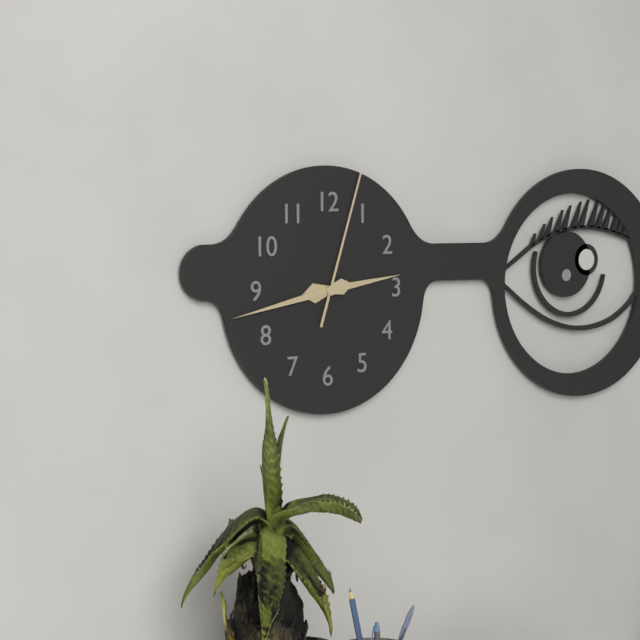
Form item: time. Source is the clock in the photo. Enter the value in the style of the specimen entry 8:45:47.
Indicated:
2:43:03
